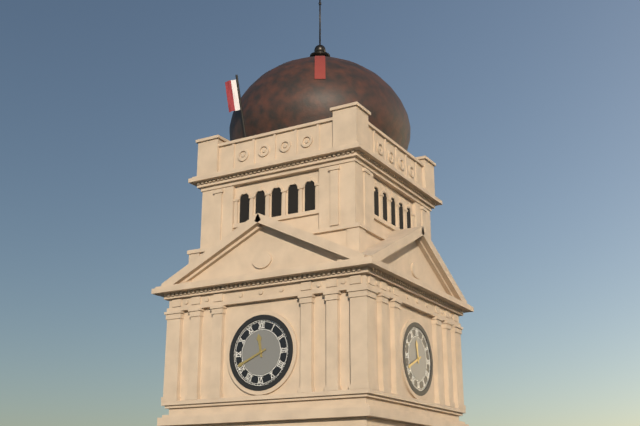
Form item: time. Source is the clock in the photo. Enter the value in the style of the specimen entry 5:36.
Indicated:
11:41
